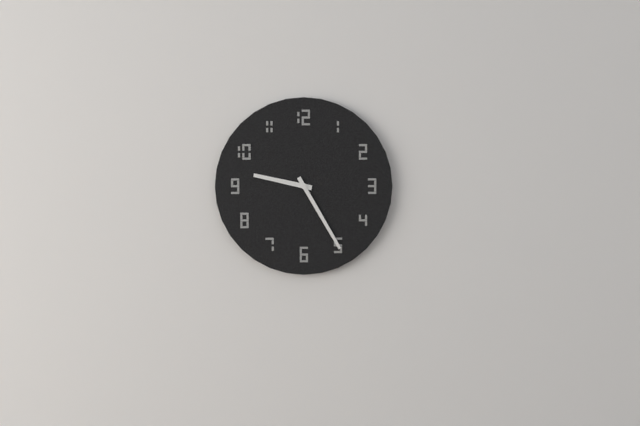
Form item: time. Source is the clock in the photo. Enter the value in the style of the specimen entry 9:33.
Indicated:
9:25
